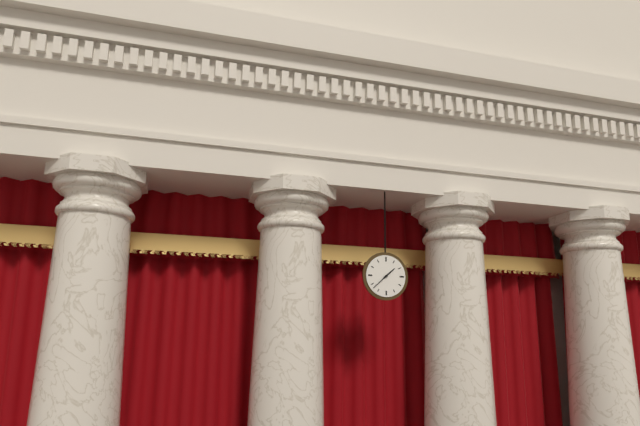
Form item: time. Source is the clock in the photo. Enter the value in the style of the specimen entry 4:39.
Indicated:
1:38
